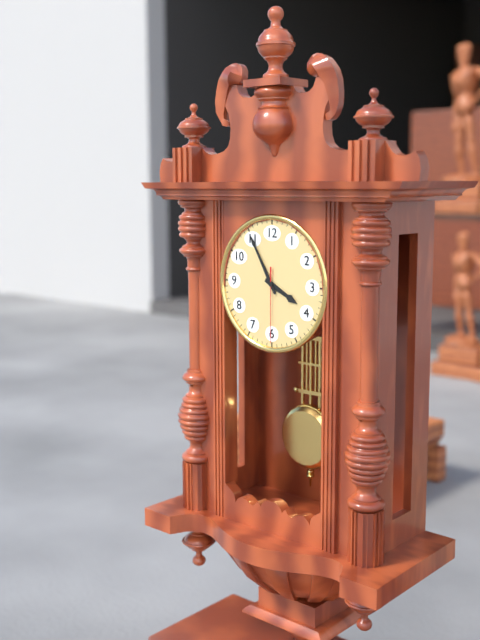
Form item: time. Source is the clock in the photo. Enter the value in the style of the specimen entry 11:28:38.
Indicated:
3:55:30
